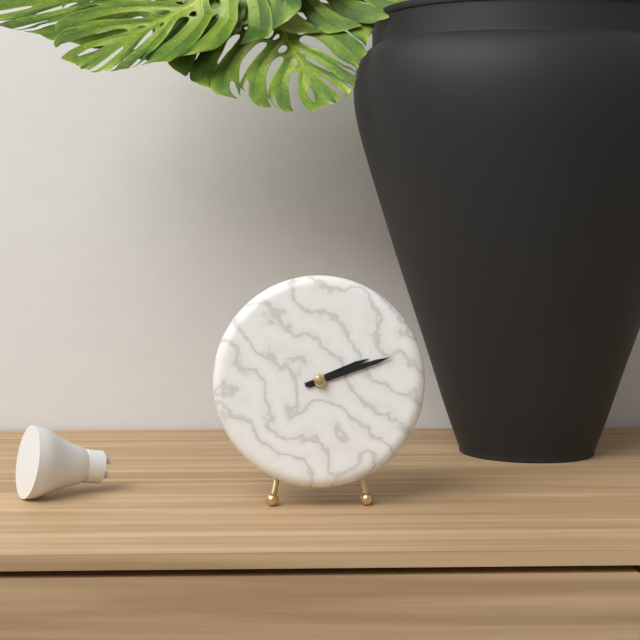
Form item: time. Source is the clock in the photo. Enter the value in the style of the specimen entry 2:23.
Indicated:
2:12
